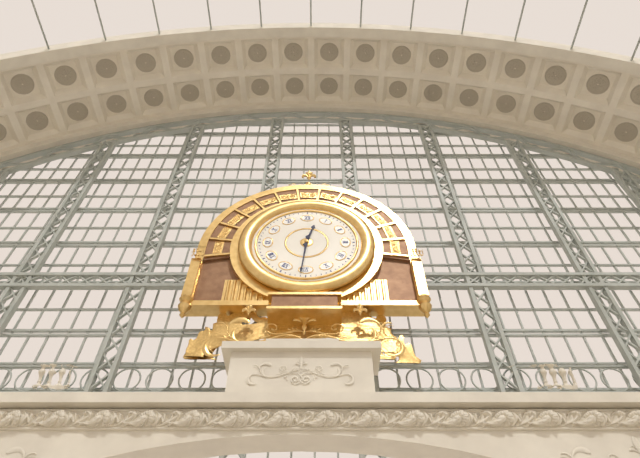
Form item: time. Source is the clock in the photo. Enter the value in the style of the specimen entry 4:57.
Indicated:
12:31
